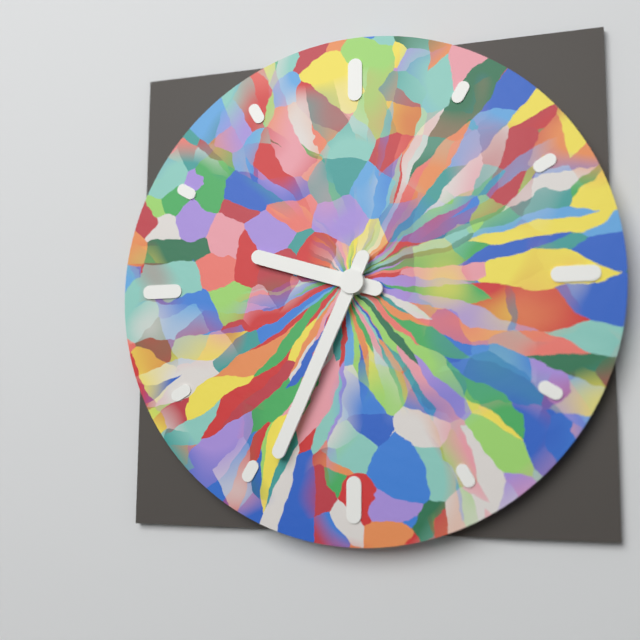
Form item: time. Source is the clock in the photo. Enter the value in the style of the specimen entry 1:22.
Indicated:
9:34
